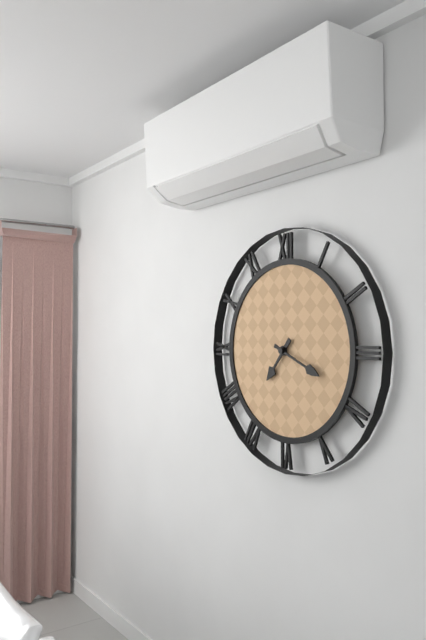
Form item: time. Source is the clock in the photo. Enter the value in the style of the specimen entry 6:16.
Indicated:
7:19
